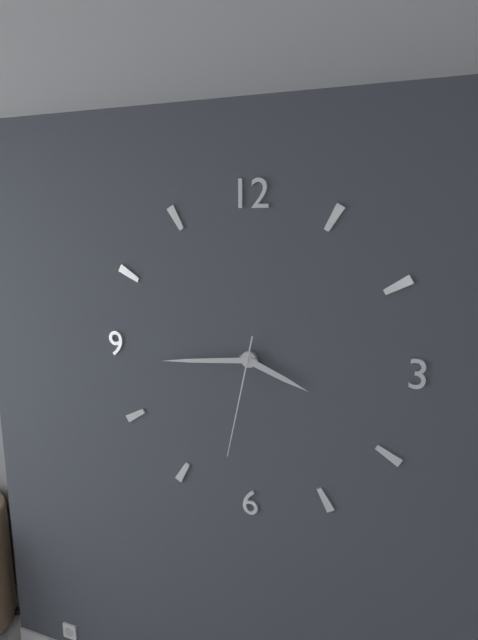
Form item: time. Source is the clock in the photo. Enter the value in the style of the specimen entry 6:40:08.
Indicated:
3:44:32
